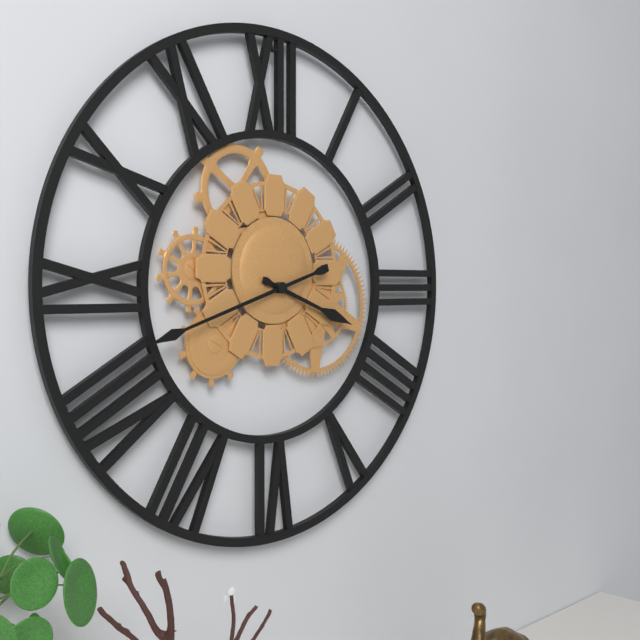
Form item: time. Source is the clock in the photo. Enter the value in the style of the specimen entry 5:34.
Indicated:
3:42
